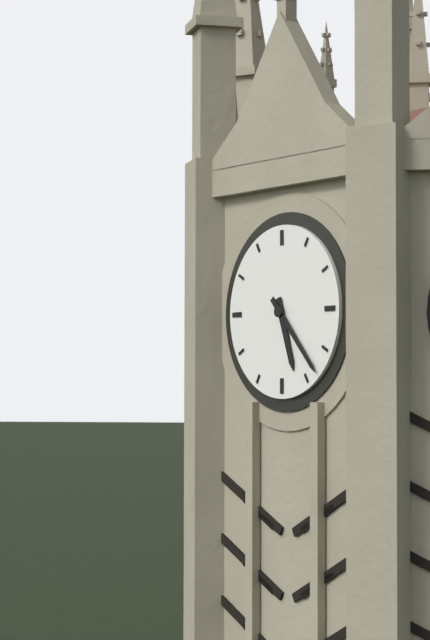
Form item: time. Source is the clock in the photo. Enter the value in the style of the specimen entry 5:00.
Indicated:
5:23
